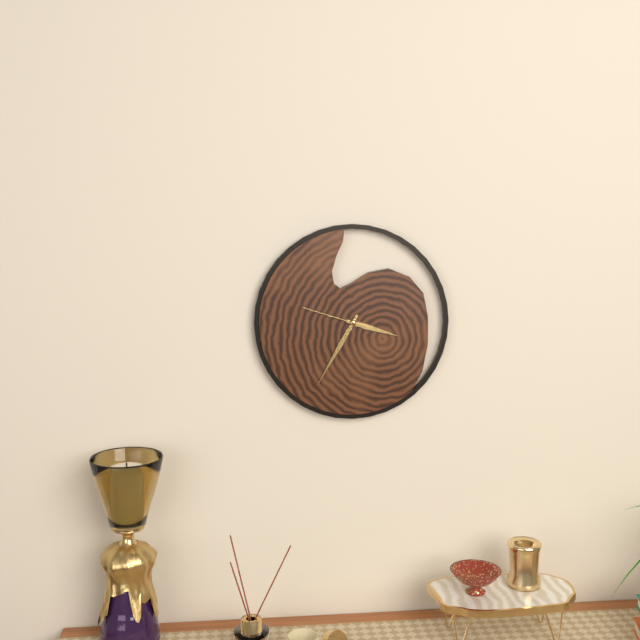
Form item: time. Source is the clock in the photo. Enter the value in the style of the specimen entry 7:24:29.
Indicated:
3:35:48
